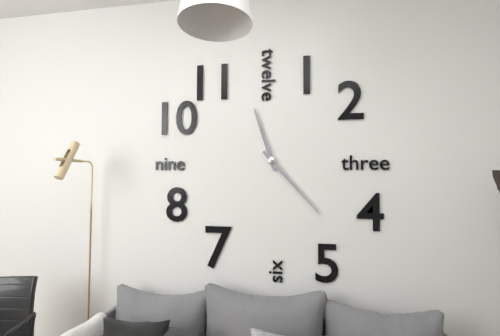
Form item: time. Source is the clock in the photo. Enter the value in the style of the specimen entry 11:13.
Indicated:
11:23
